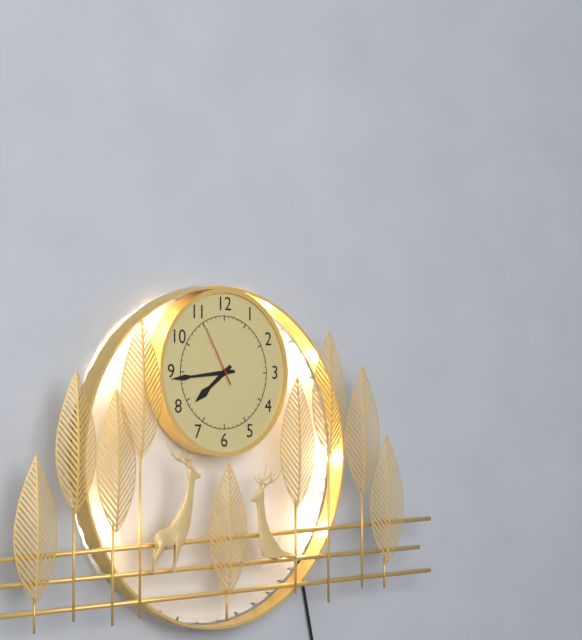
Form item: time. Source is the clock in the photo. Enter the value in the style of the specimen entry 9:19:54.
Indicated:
7:44:55
